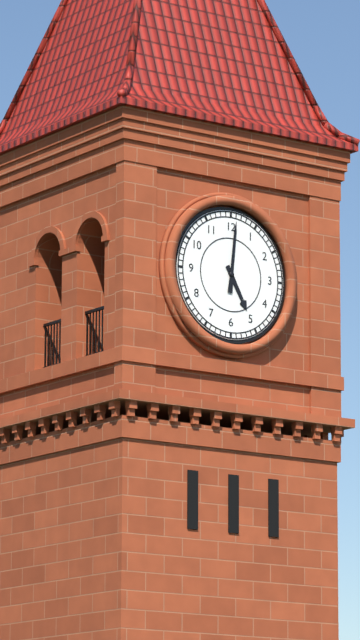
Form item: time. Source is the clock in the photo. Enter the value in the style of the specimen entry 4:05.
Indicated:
5:01
